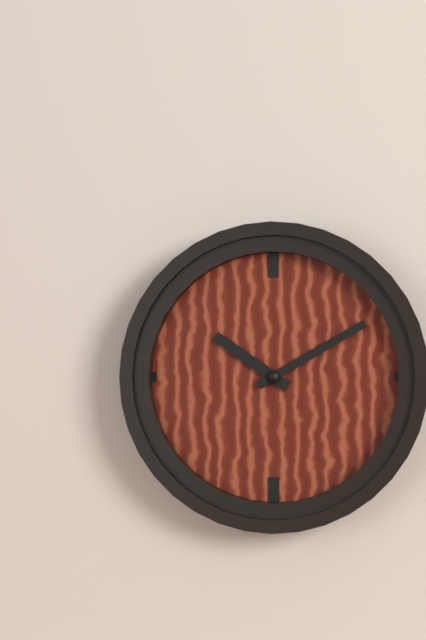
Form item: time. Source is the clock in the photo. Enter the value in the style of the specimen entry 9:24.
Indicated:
10:10
